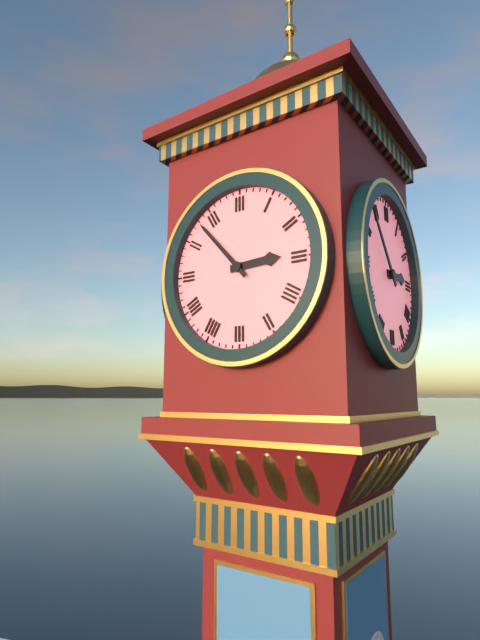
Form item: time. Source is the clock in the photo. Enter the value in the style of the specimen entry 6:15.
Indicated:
2:53
